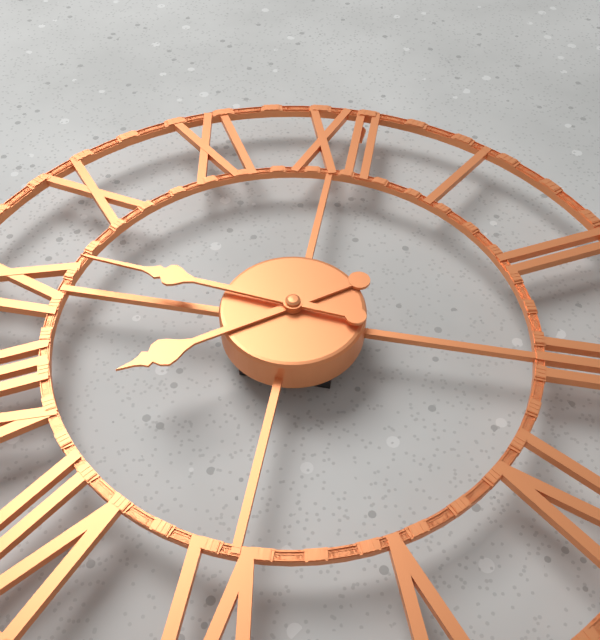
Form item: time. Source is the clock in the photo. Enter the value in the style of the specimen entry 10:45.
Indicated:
7:46
